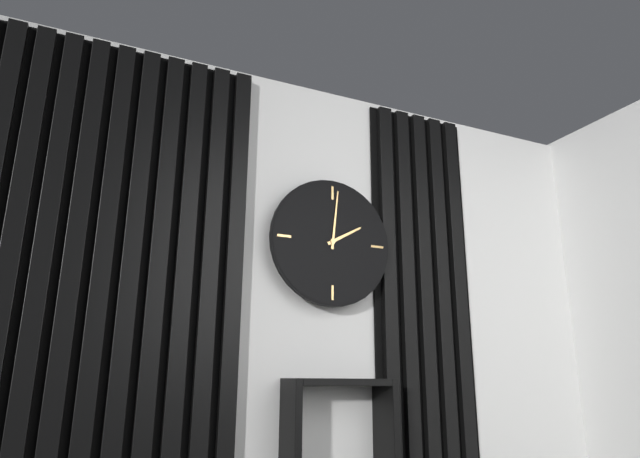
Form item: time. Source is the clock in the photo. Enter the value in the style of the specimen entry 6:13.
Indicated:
2:01
